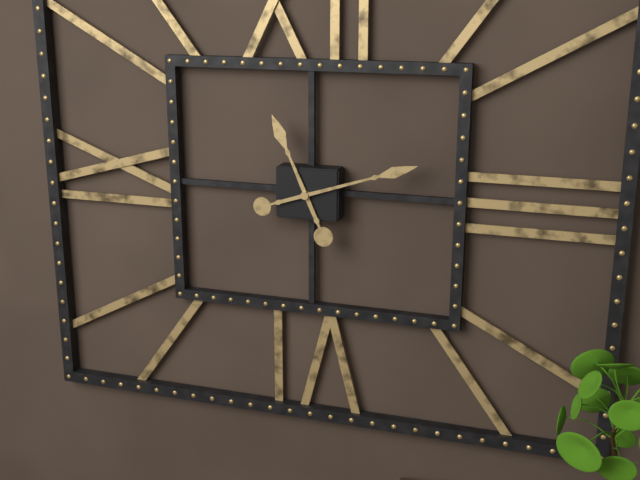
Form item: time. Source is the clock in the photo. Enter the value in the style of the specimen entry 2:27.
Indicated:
11:12
